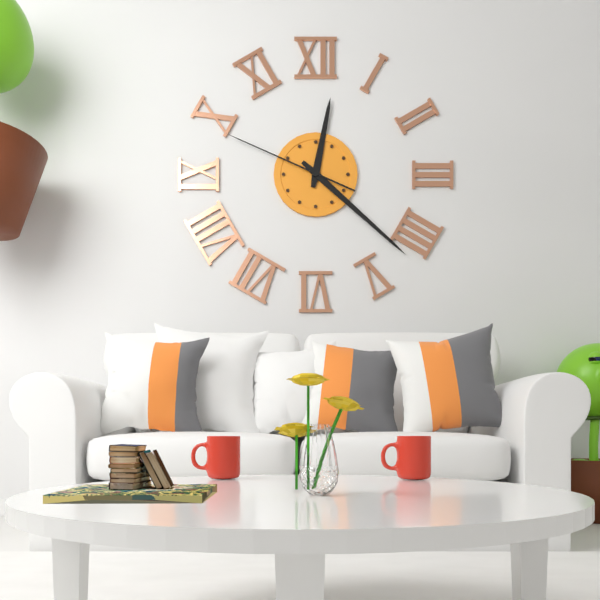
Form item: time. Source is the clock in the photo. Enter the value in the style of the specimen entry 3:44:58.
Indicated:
12:22:49
